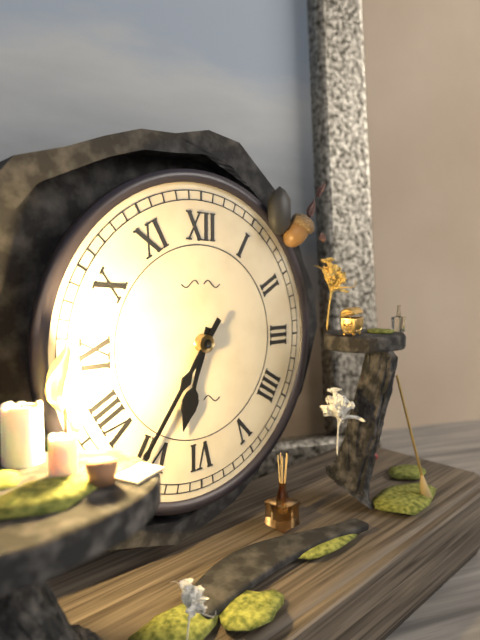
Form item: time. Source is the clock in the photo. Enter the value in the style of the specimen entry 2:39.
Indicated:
6:36
